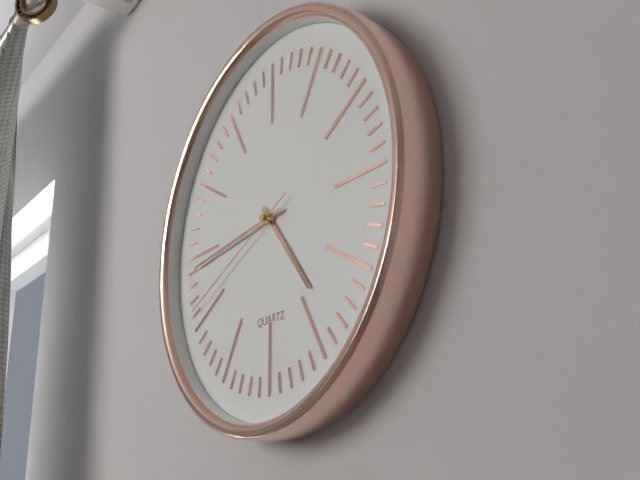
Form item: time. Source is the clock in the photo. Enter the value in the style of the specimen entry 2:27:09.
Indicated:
4:44:41
